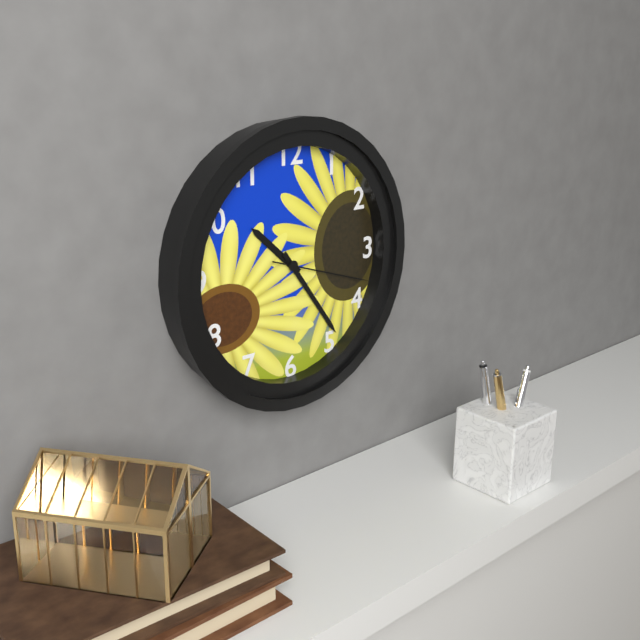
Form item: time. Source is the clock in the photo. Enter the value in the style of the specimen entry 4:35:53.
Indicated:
10:24:18
